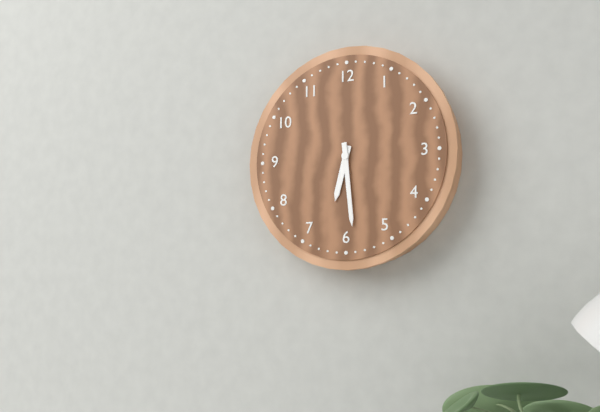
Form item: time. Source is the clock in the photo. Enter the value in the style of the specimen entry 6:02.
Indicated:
6:29
